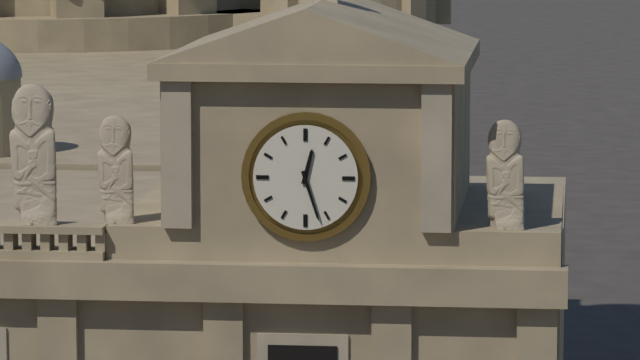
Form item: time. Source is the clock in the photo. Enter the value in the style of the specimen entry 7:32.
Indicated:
12:27
